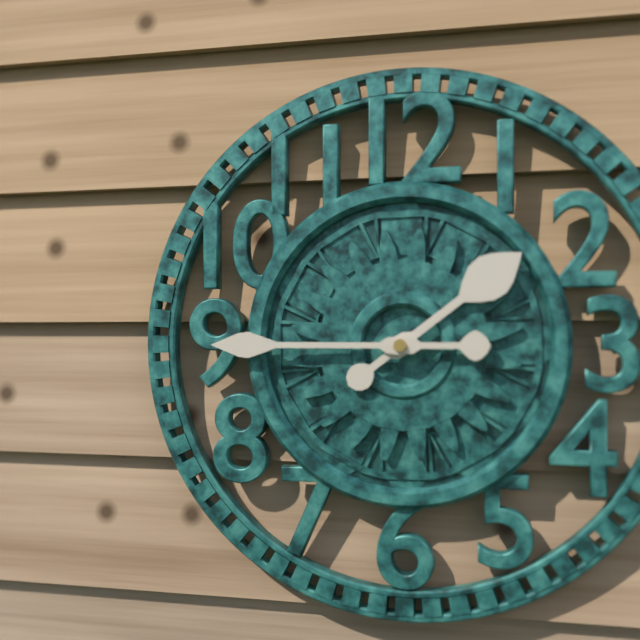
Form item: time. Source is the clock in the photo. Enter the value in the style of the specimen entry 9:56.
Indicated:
1:45
